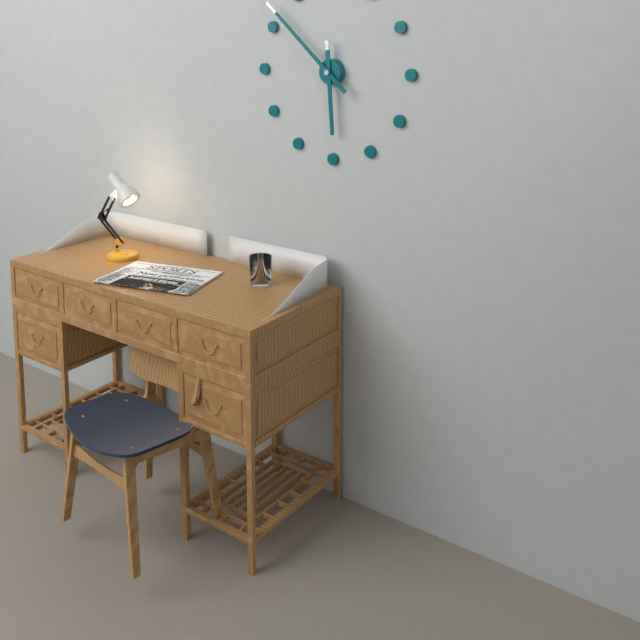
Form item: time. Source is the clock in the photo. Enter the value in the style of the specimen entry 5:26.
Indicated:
5:52
